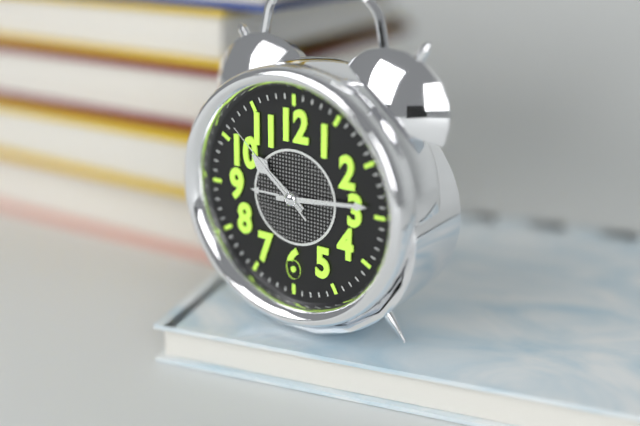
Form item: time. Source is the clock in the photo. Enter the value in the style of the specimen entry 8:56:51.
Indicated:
10:14:52
